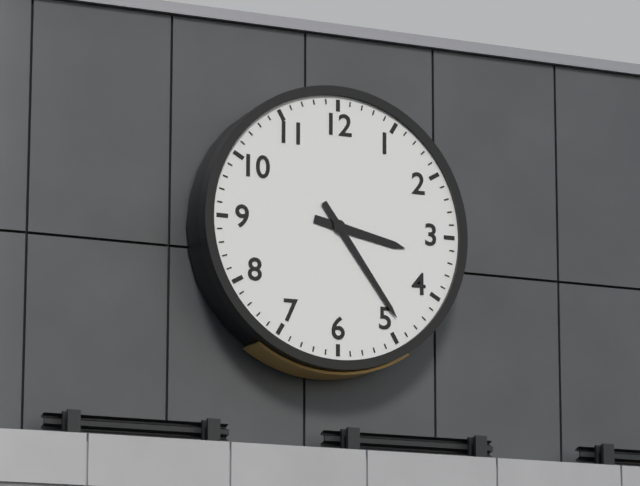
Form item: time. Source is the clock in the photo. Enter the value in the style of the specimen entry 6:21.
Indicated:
3:24
